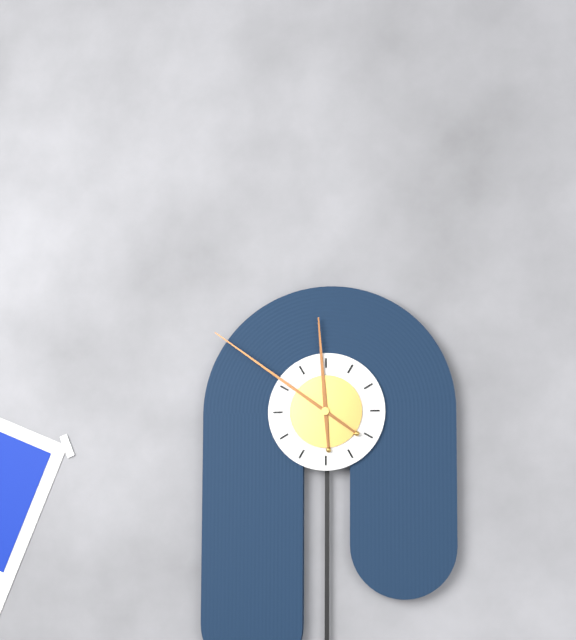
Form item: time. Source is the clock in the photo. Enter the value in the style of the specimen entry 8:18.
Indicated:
11:51
